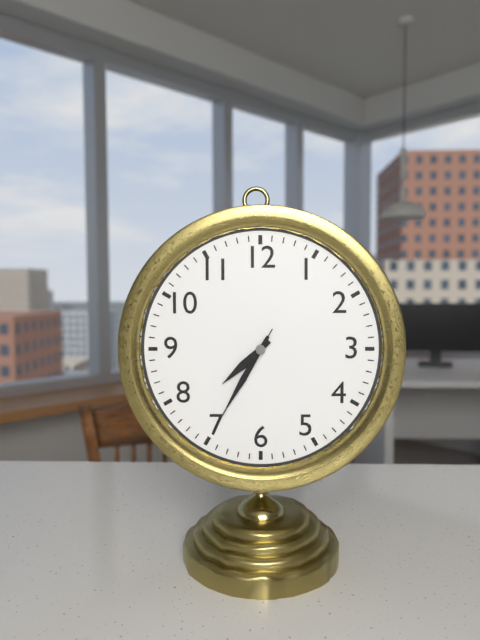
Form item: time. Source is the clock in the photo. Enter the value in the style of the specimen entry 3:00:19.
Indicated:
7:35:35
